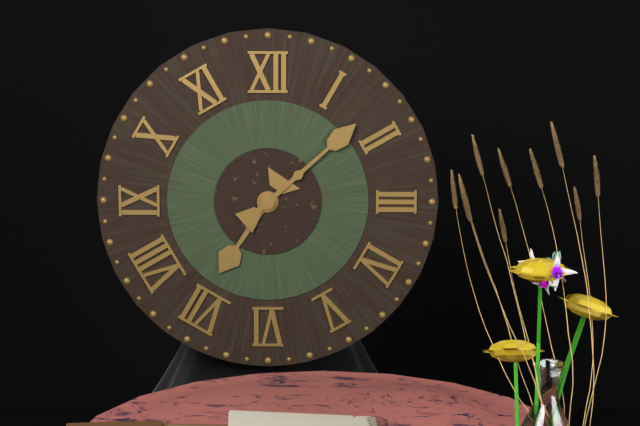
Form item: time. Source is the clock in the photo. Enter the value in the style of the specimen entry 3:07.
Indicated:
7:08
